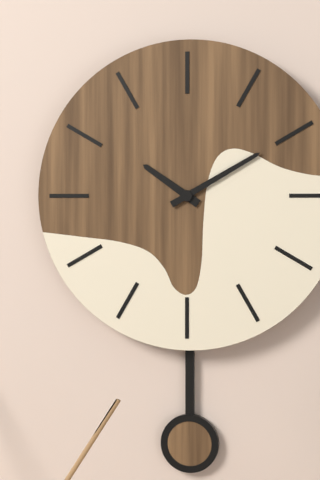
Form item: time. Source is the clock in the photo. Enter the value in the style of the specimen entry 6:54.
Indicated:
10:10
